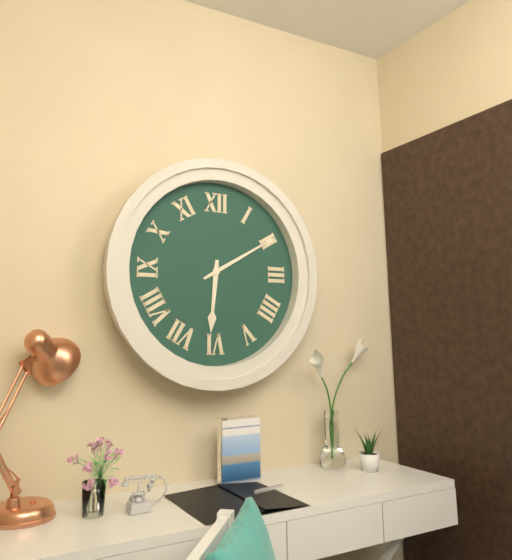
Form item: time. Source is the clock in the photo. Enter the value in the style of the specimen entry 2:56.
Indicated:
6:10
